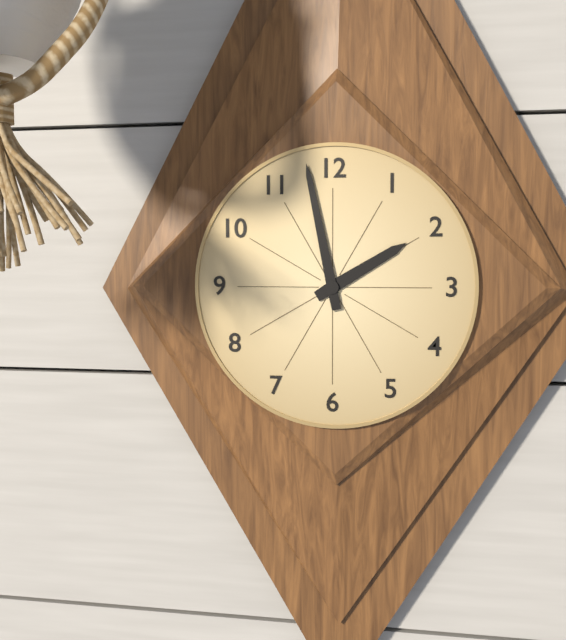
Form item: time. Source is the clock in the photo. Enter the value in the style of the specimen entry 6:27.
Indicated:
1:58
